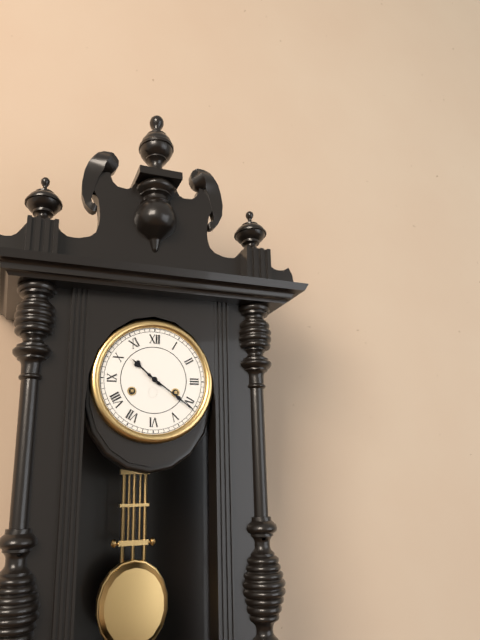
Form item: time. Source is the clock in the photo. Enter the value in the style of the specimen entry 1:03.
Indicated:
10:21
